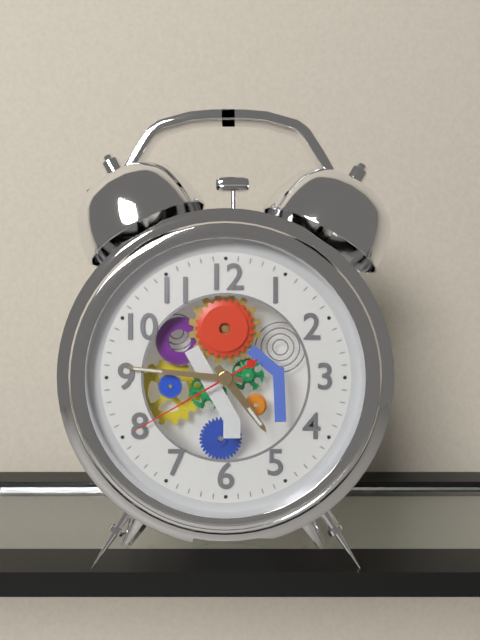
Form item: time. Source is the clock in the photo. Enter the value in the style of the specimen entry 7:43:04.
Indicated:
4:46:40
